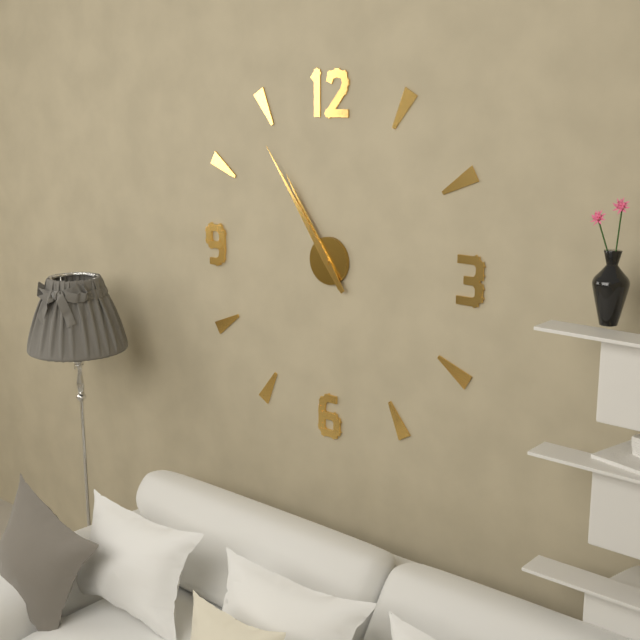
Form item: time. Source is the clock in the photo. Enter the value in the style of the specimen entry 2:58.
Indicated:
10:54
